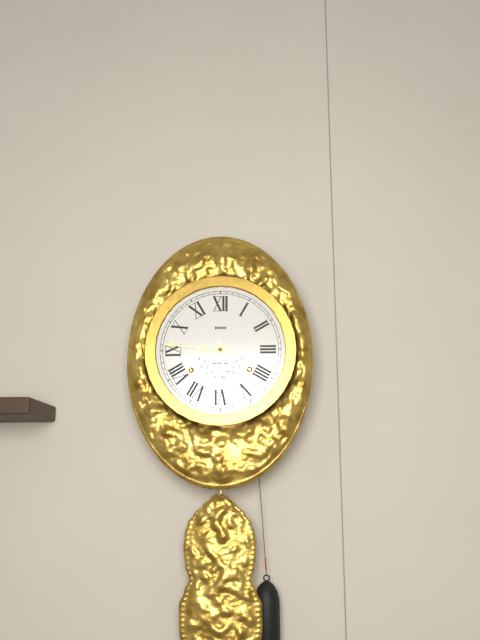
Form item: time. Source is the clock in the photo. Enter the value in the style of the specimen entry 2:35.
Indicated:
5:46
